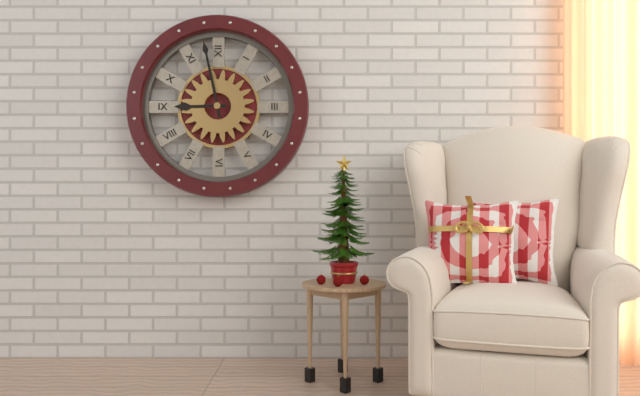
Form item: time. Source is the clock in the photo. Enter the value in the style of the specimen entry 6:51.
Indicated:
8:58
